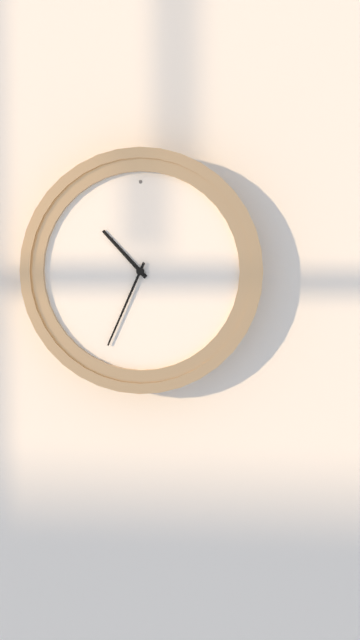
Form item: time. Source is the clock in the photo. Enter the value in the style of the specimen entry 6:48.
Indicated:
10:34
